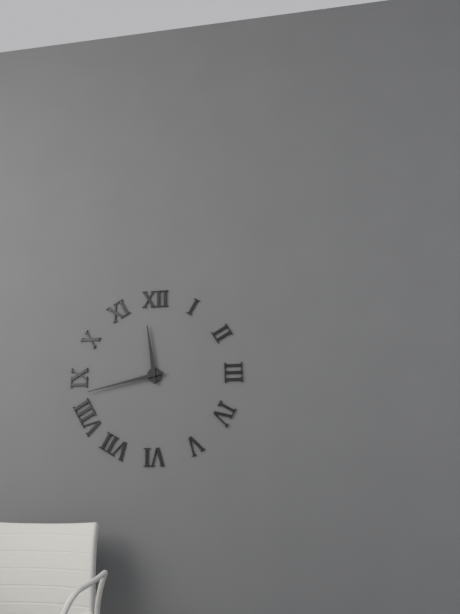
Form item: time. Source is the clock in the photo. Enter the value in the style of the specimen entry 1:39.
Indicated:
11:43
